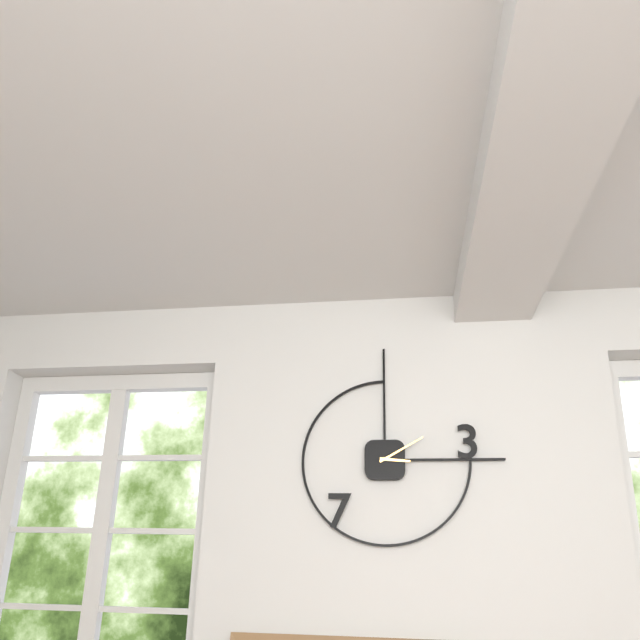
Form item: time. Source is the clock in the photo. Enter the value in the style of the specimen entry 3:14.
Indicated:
3:10
